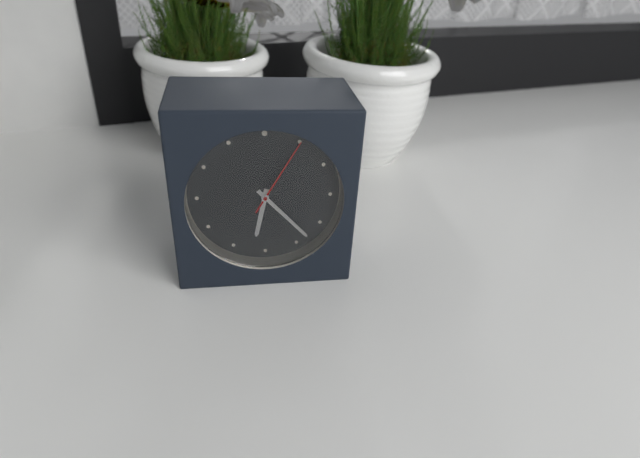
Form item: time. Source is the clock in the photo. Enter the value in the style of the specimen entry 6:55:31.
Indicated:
6:23:05
